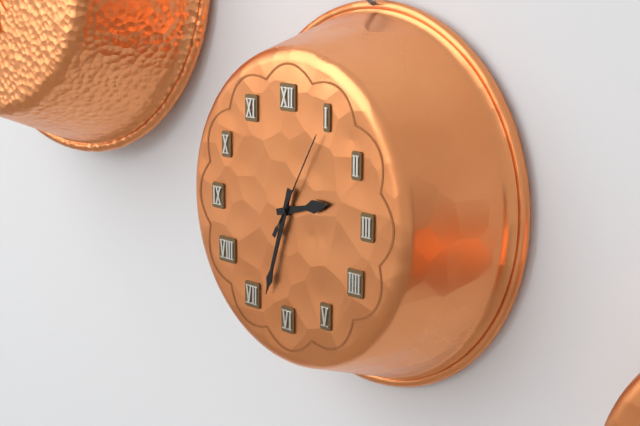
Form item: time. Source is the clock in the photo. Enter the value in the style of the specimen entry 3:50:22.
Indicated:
2:33:05
